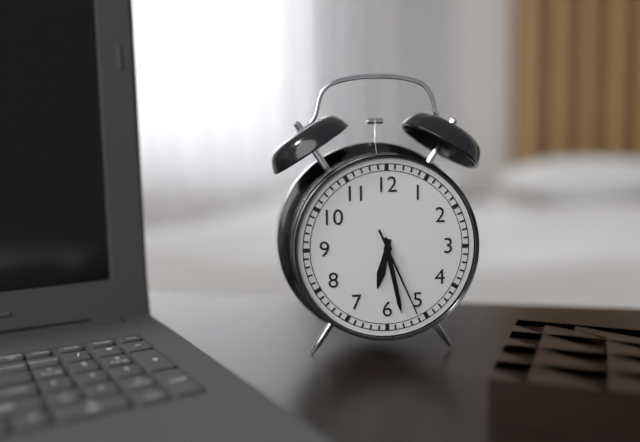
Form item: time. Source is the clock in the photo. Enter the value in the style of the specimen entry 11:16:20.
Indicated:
6:28:26
